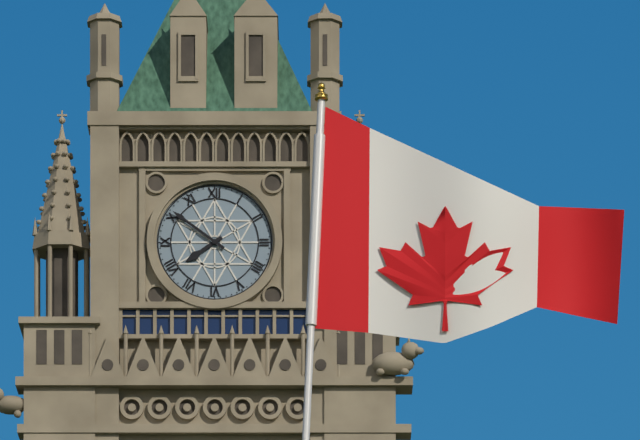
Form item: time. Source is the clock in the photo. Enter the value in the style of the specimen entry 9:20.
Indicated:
7:51
